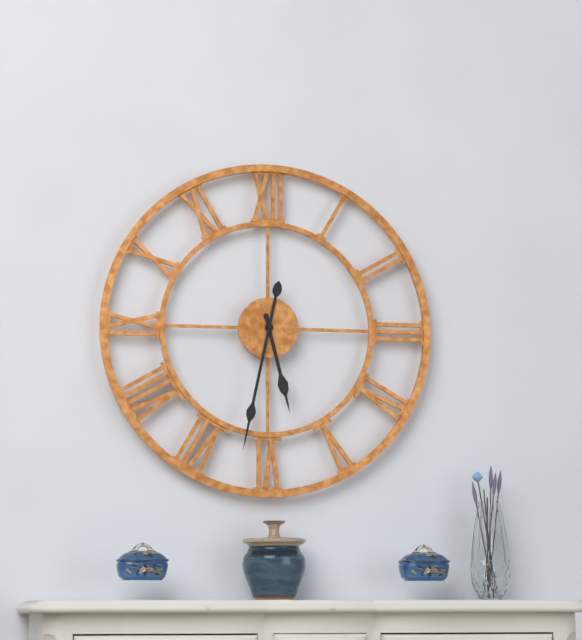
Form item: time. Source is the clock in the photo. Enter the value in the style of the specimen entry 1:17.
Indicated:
5:32
